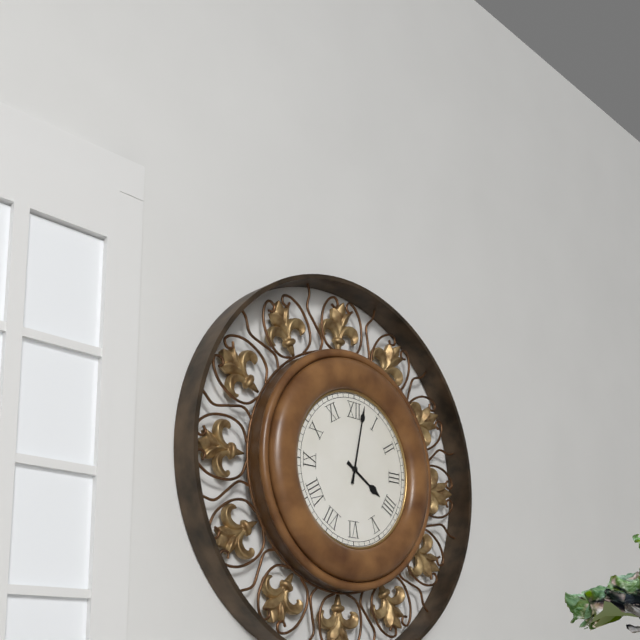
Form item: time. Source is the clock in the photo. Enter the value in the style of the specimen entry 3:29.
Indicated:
4:02
